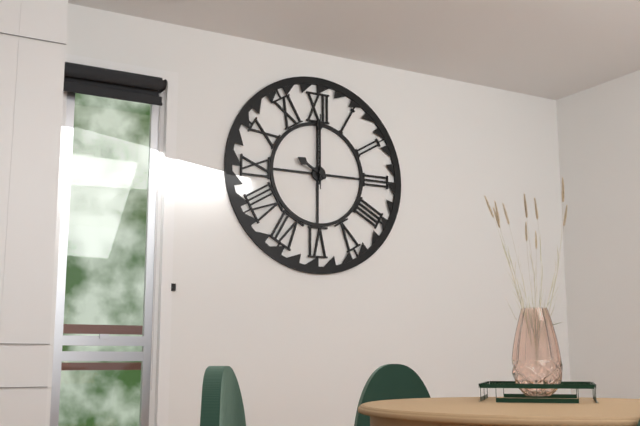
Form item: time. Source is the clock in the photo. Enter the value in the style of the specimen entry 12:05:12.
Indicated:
10:00:00
